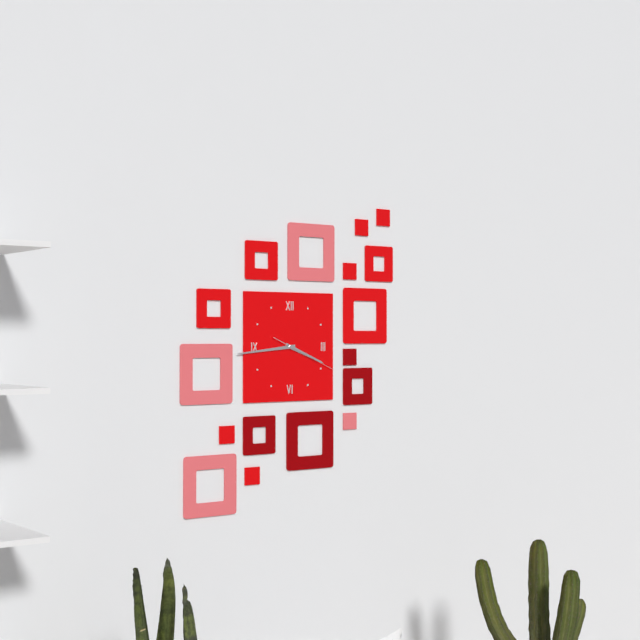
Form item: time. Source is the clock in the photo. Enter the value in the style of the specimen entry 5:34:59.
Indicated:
3:44:19
